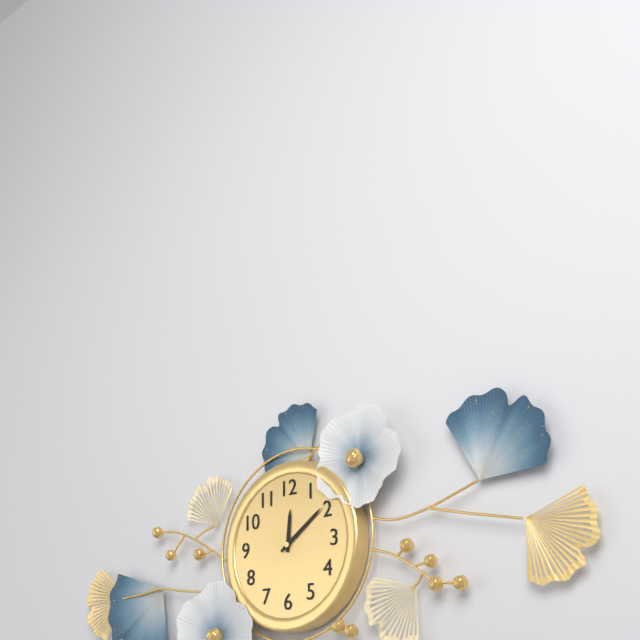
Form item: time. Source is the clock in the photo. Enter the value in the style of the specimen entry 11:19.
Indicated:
12:09
